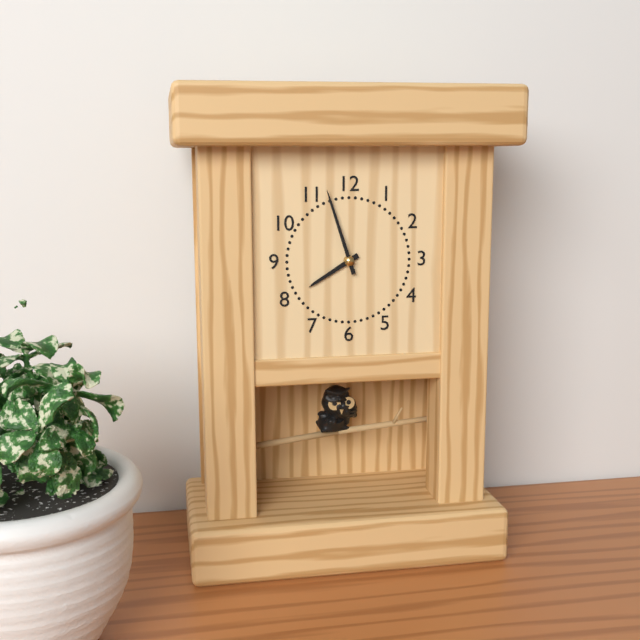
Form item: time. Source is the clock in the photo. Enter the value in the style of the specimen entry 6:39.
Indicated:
7:57
